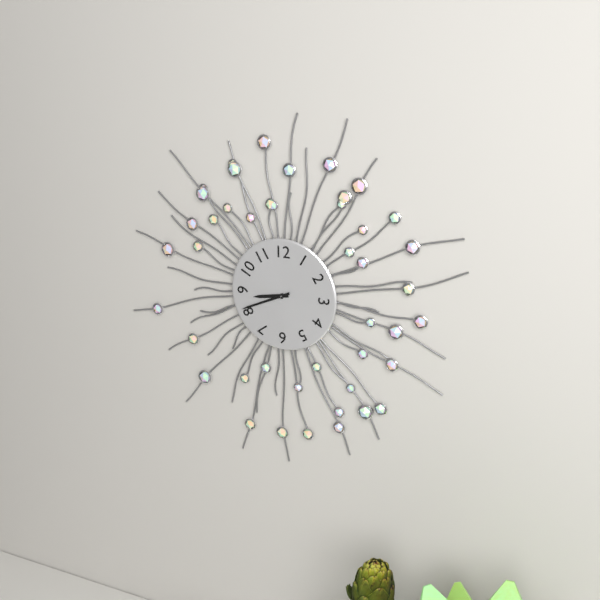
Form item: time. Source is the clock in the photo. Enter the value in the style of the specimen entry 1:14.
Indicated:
8:41
